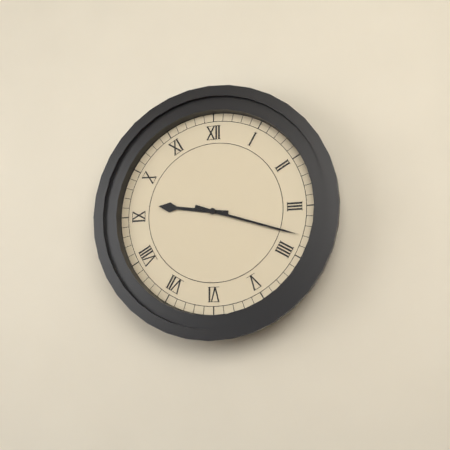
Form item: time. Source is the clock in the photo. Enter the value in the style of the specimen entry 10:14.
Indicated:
9:18
